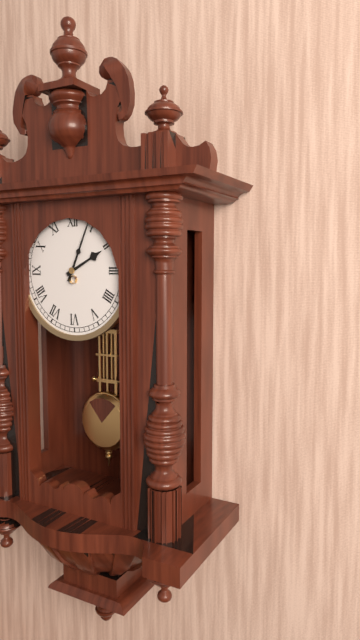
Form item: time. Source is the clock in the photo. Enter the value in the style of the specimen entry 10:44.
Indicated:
2:04
